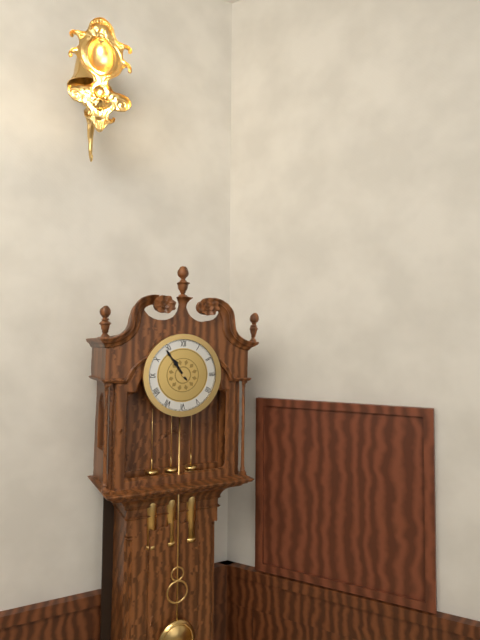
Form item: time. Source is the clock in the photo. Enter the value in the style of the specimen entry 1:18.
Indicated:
10:54
